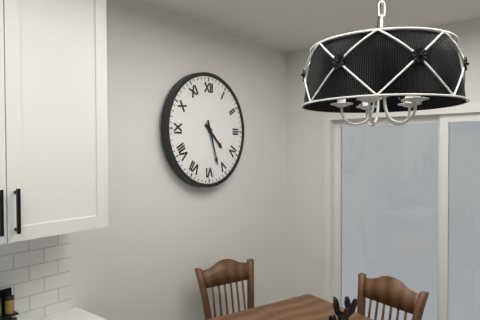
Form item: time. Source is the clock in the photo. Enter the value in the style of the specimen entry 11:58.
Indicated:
4:27
